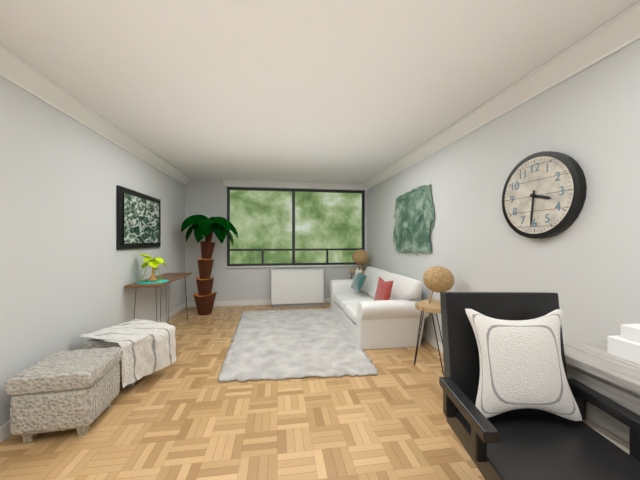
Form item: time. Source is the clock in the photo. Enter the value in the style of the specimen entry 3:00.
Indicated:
3:31
